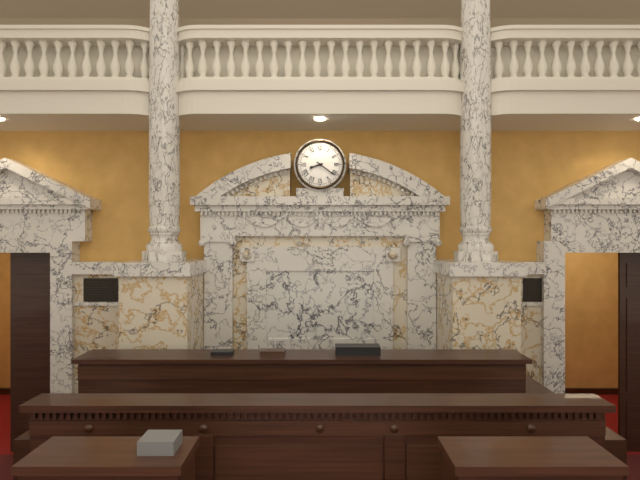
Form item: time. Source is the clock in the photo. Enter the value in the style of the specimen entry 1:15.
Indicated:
8:21
